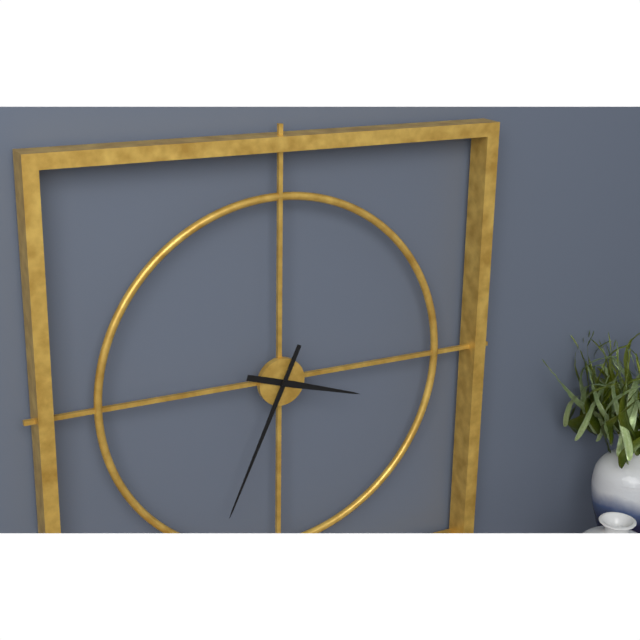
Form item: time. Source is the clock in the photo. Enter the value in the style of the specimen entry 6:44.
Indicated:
3:34
